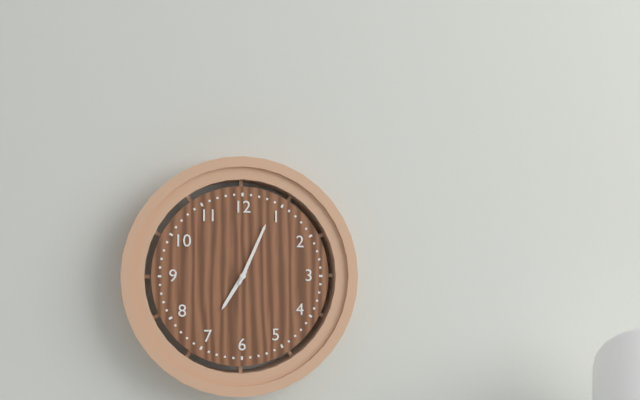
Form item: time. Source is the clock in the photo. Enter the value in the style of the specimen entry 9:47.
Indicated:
7:04
